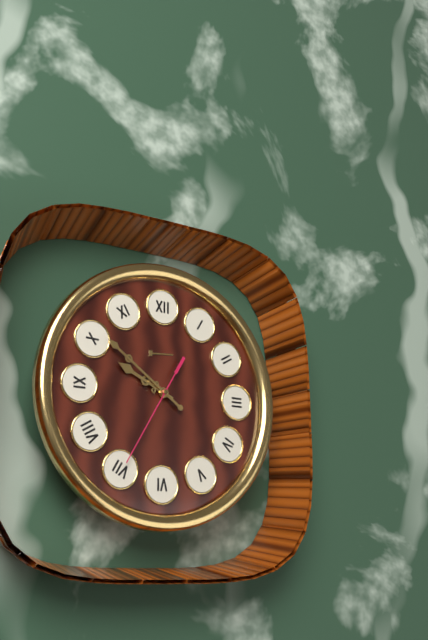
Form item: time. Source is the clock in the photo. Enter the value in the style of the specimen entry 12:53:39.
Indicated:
9:51:35
